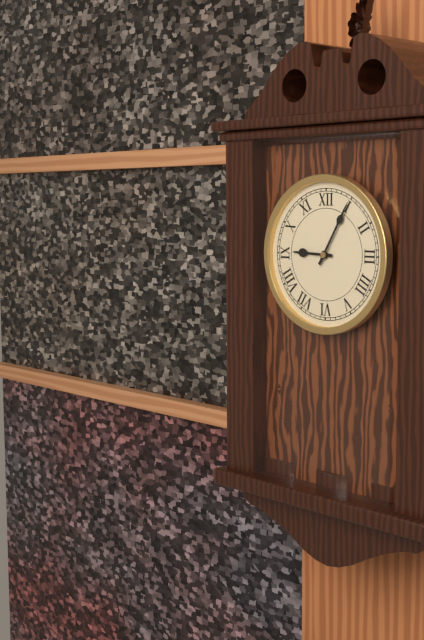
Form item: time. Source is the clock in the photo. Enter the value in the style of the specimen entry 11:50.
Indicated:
9:05
